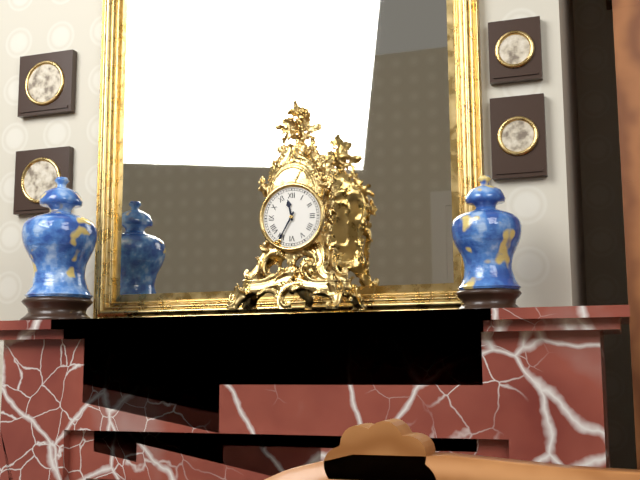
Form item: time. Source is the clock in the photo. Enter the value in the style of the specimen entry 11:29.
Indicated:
11:35
